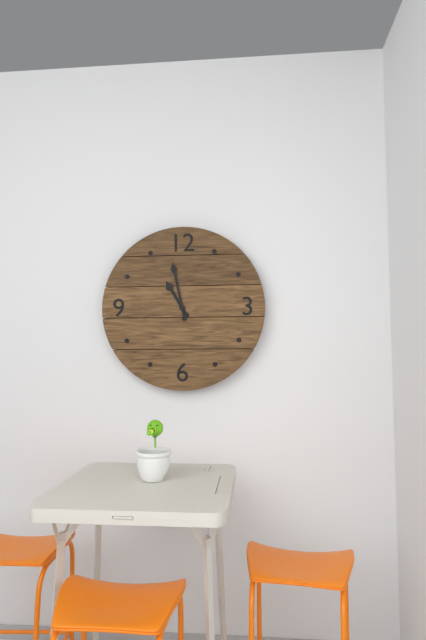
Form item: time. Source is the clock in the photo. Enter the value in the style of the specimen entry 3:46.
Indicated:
10:58
